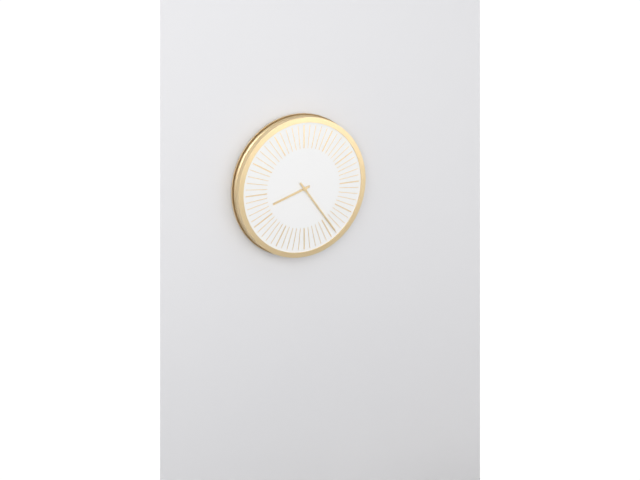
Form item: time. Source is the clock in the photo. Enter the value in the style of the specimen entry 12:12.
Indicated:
8:24
